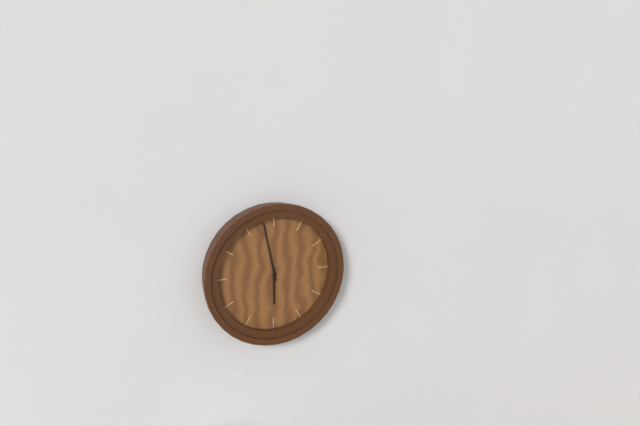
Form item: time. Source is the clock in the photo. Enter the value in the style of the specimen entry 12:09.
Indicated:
5:58
